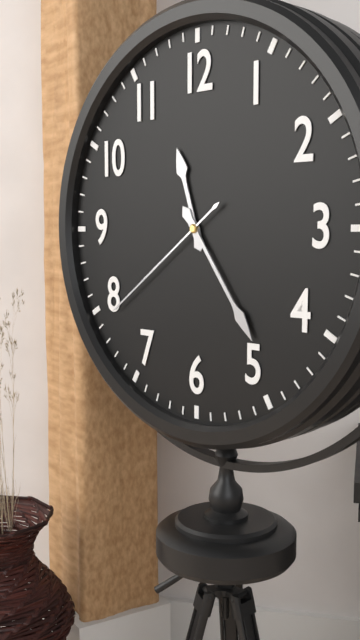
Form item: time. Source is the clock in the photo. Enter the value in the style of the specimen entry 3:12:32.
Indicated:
11:24:39
